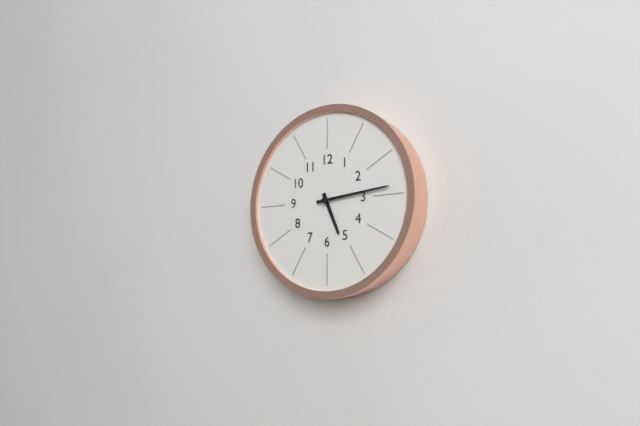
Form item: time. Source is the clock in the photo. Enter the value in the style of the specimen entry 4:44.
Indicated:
5:14
